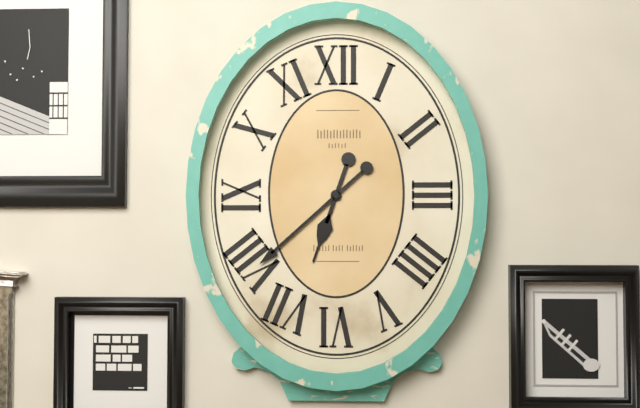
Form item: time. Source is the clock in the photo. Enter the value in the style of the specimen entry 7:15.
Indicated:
6:38
